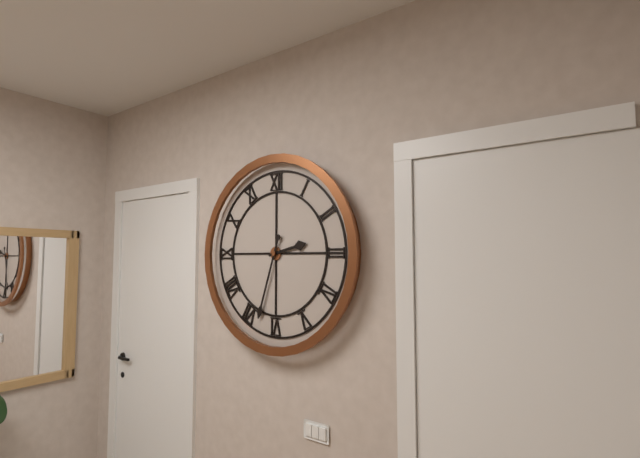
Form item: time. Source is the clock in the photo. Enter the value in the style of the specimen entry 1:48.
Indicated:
2:33
